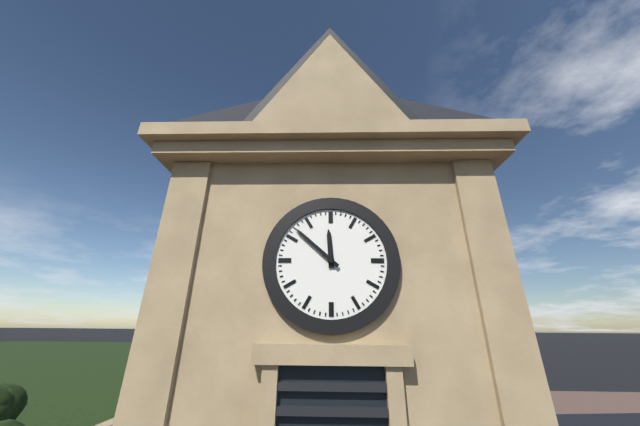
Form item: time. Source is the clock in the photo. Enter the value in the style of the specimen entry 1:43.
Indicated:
11:52
